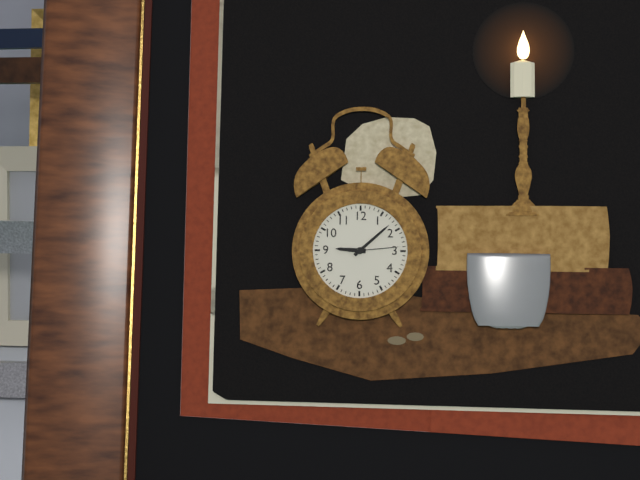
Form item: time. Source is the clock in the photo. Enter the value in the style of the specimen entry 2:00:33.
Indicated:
9:08:14
